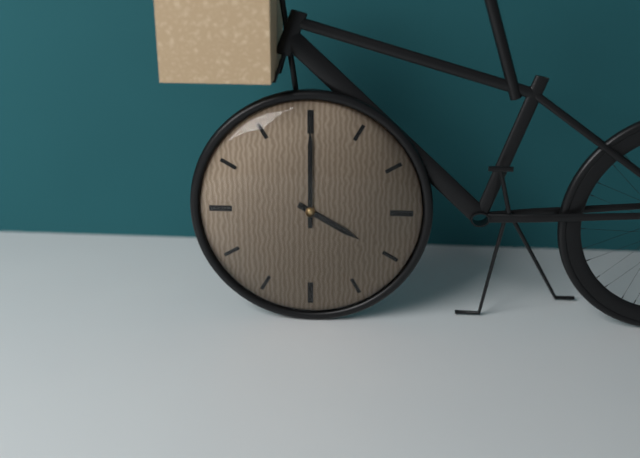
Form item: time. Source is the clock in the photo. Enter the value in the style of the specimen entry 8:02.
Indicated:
4:00
